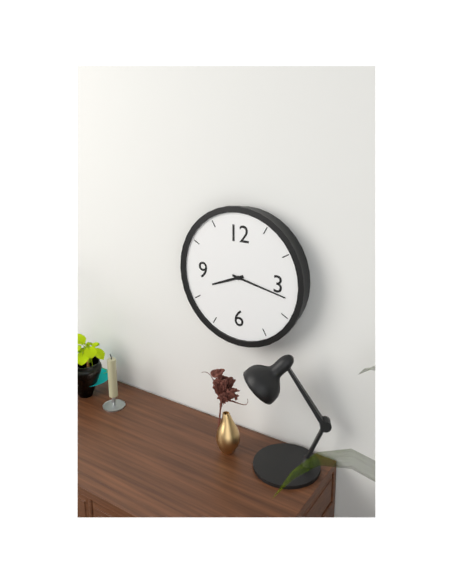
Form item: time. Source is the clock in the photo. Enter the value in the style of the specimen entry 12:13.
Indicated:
8:17
